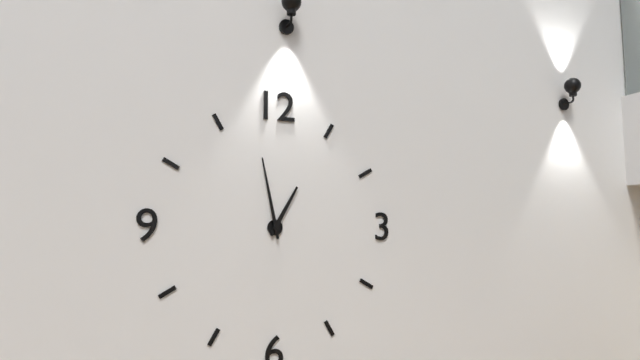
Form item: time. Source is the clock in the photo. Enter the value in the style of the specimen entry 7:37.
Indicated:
12:58
